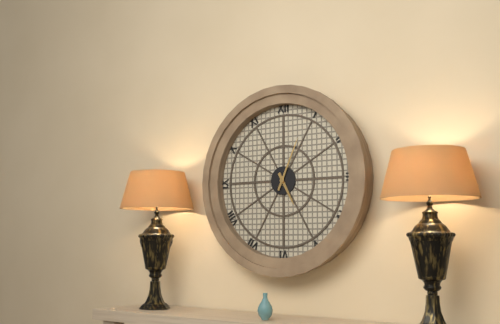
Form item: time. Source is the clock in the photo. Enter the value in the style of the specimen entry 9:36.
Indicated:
5:04
